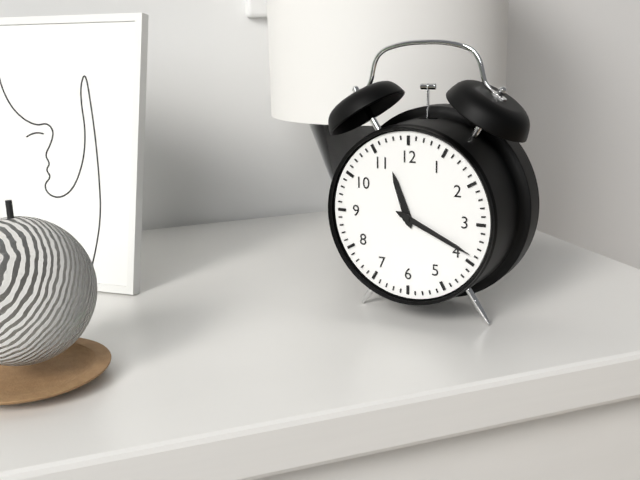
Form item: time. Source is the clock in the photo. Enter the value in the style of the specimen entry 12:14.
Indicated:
11:19
